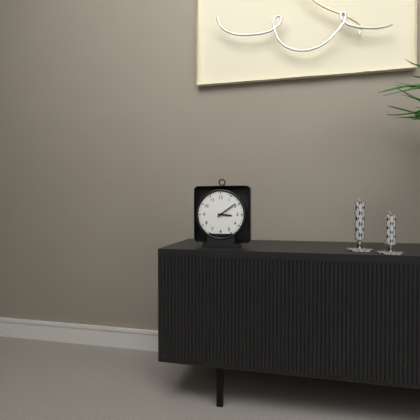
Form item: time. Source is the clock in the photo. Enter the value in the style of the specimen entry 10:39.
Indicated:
3:09
